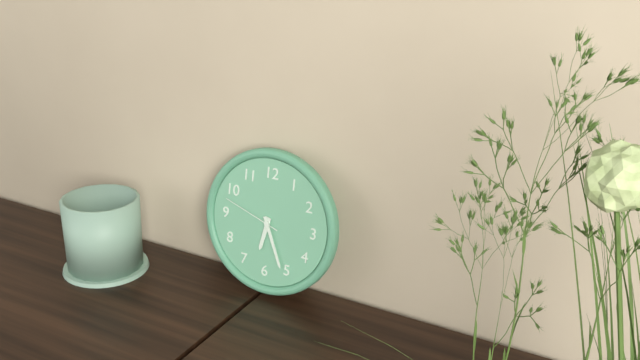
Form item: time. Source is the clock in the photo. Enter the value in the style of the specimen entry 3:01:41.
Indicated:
6:26:48
